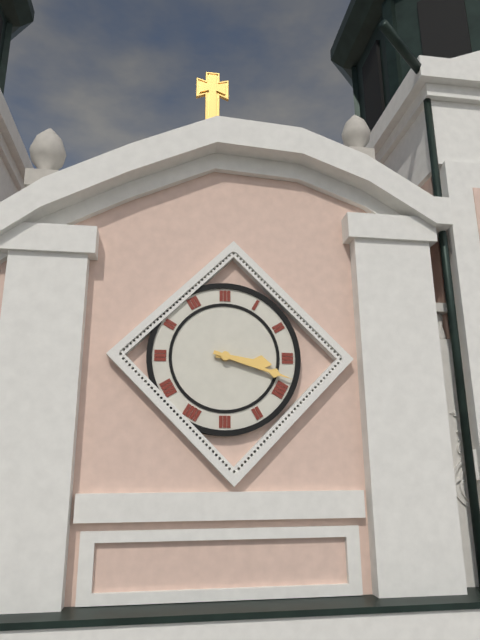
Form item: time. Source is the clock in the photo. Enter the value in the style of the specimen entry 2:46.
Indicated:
3:18
